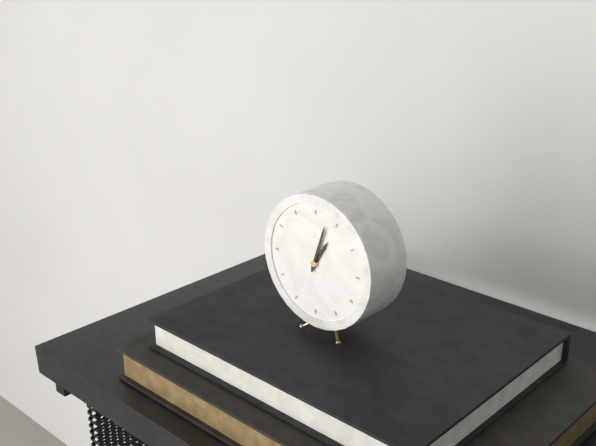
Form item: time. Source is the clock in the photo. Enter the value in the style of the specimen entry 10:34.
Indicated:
1:03
